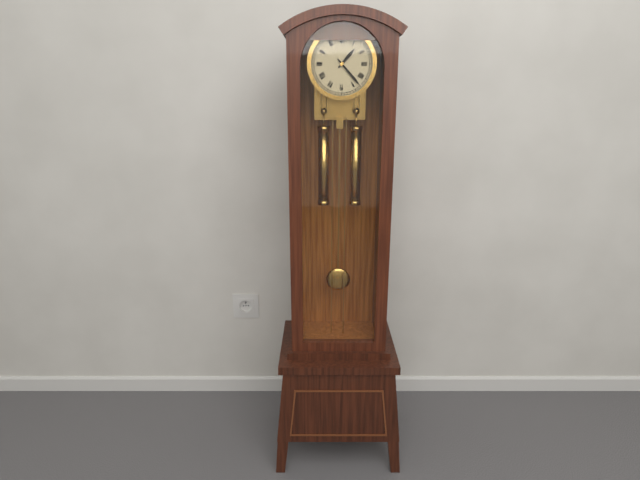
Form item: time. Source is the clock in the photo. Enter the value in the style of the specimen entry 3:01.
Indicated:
1:23
